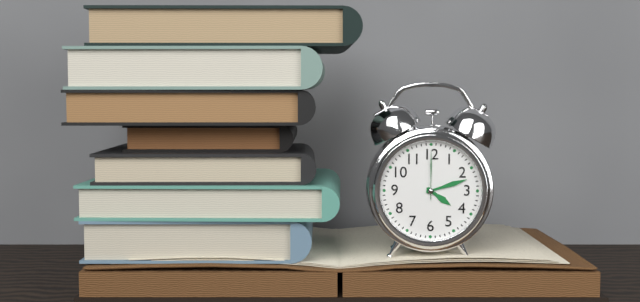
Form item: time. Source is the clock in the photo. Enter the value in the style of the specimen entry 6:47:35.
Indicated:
4:12:00
